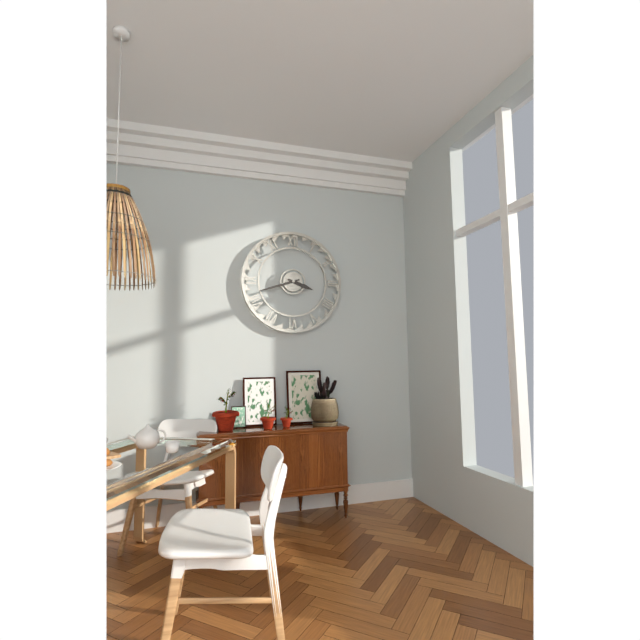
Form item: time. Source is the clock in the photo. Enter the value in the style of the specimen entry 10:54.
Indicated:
3:42
